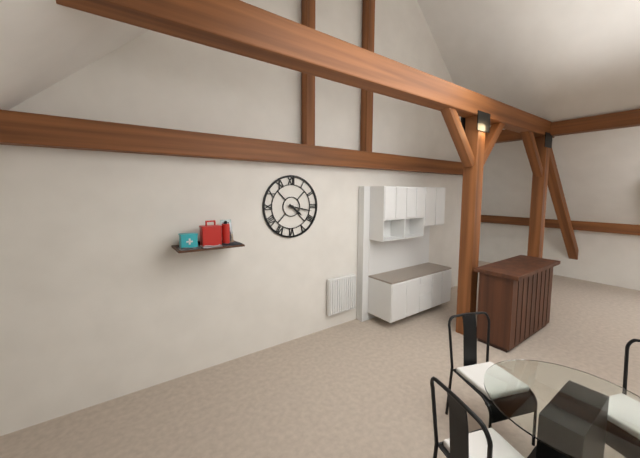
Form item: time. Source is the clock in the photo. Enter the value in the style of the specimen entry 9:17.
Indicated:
4:17
